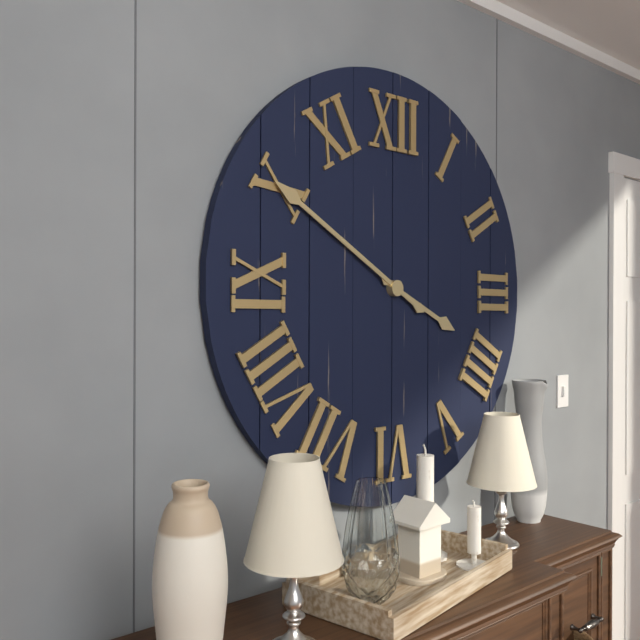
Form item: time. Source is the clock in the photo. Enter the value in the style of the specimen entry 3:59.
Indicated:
3:50
